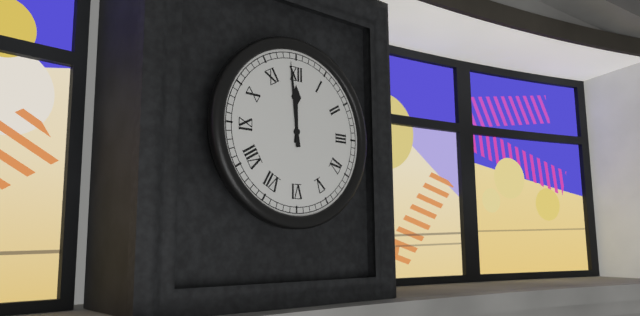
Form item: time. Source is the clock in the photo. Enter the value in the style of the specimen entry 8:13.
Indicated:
11:59
